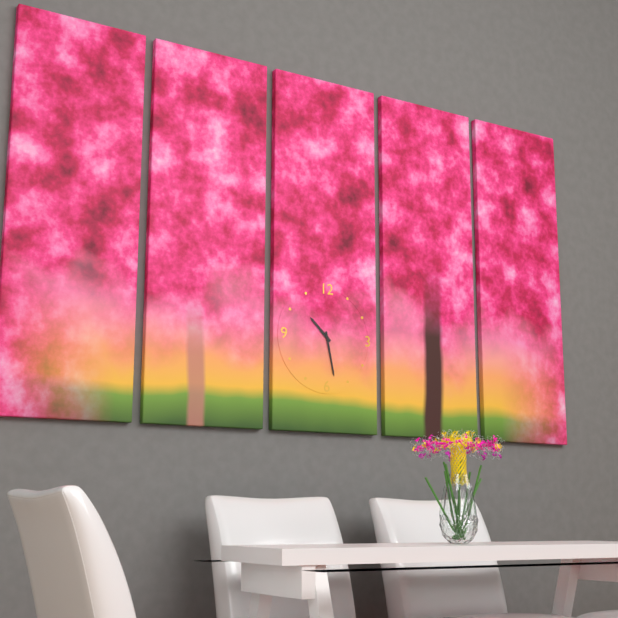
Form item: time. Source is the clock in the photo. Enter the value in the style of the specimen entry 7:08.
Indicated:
10:28
